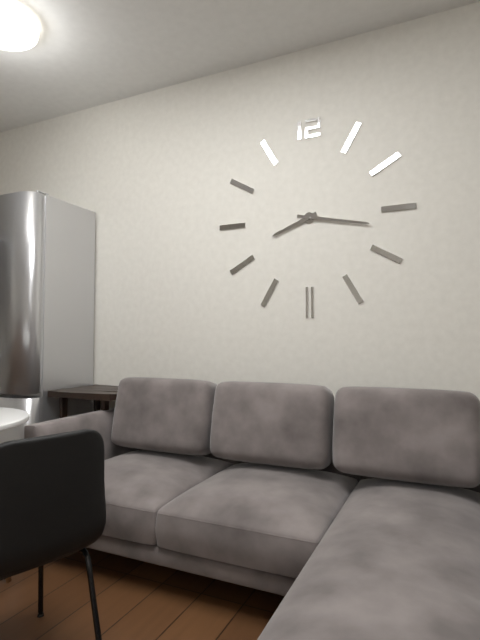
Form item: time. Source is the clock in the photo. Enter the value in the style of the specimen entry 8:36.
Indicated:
8:17
